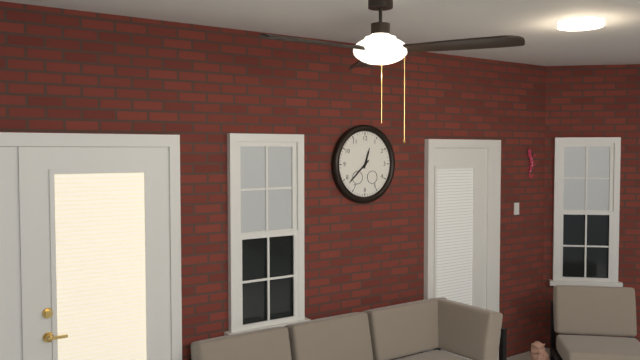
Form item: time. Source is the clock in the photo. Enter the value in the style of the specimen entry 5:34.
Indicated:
12:38
